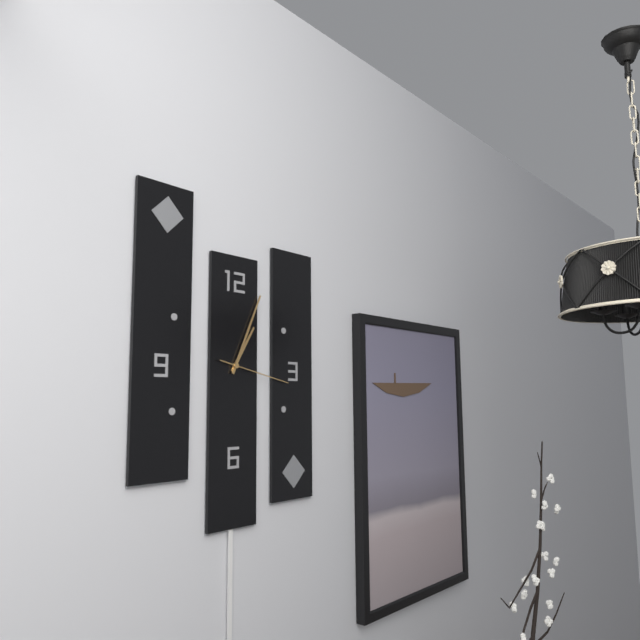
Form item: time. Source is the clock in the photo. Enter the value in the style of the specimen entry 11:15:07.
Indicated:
1:04:17
